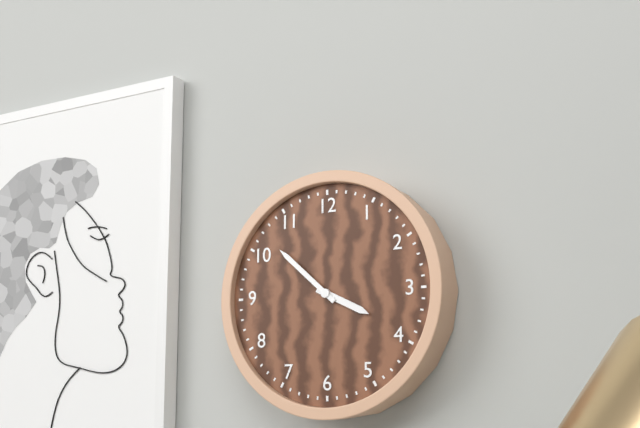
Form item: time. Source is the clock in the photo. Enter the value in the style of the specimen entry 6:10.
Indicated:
3:52
